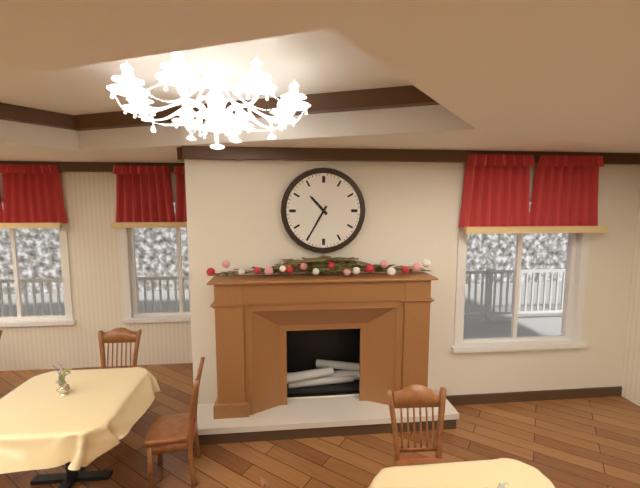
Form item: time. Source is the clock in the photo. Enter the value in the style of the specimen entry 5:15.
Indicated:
10:35
